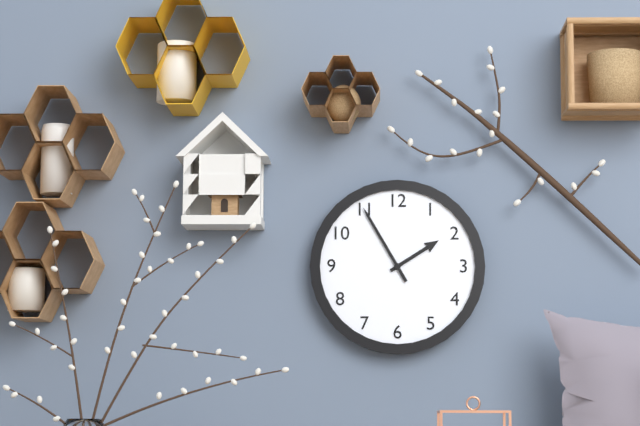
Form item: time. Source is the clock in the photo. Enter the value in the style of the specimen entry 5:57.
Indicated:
1:55
